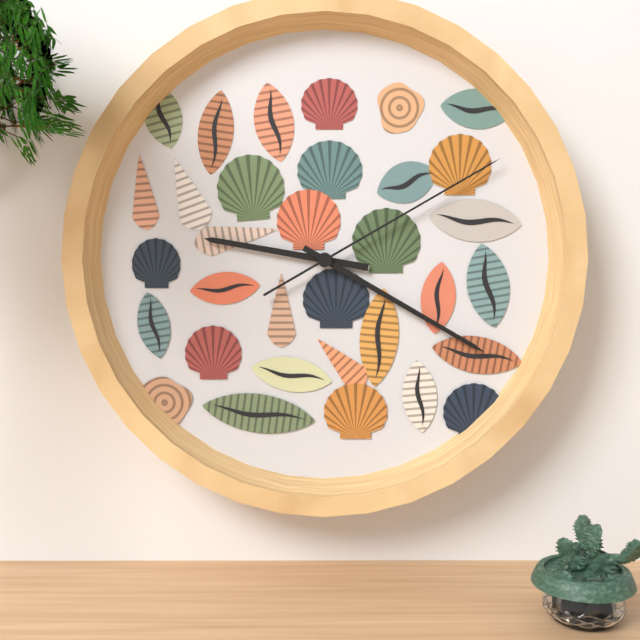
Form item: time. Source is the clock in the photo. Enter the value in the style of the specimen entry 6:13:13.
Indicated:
9:20:10
